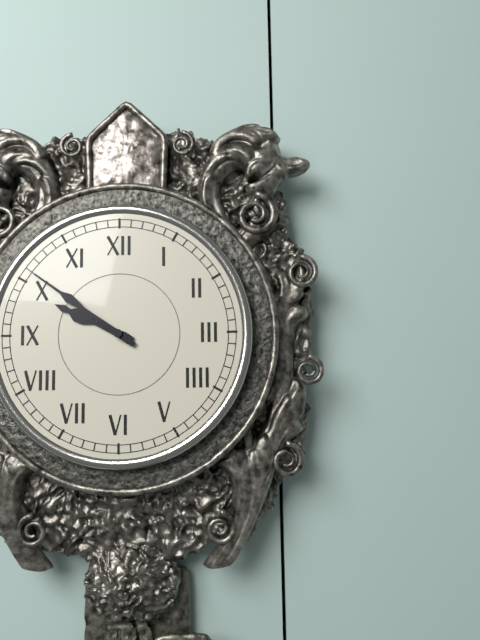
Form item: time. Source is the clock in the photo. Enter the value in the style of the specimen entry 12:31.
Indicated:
9:51
